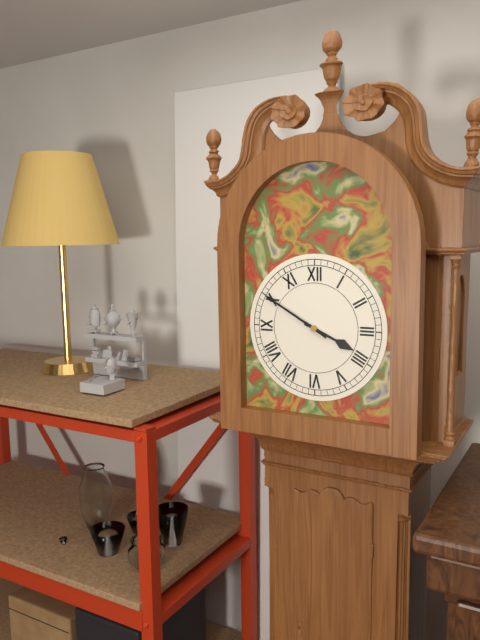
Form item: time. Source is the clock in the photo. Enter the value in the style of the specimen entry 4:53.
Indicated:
3:50
